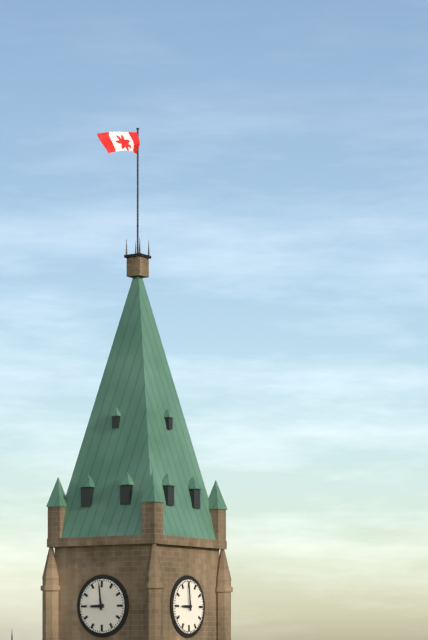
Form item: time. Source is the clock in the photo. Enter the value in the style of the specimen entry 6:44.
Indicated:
8:59
